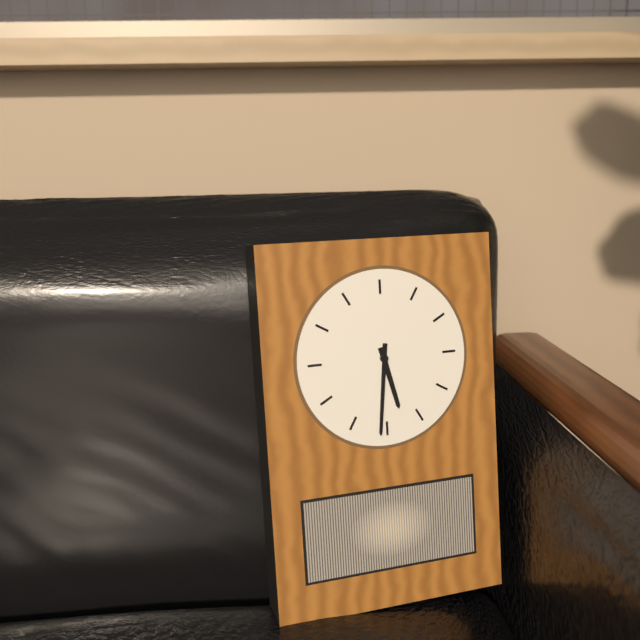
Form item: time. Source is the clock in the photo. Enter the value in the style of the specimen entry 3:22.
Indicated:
5:31
